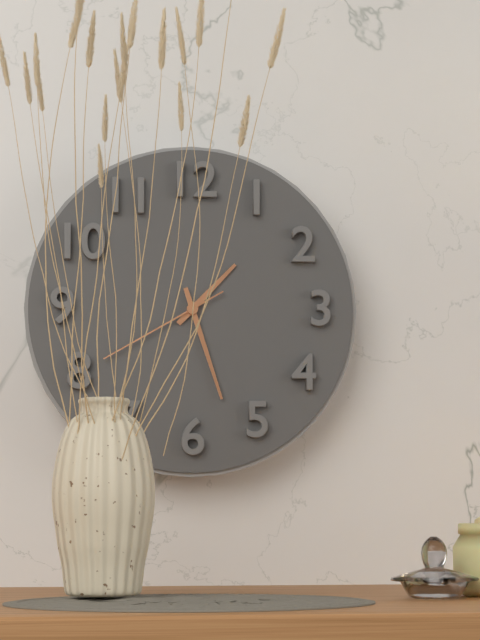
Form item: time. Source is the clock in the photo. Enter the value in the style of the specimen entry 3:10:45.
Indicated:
1:27:40
